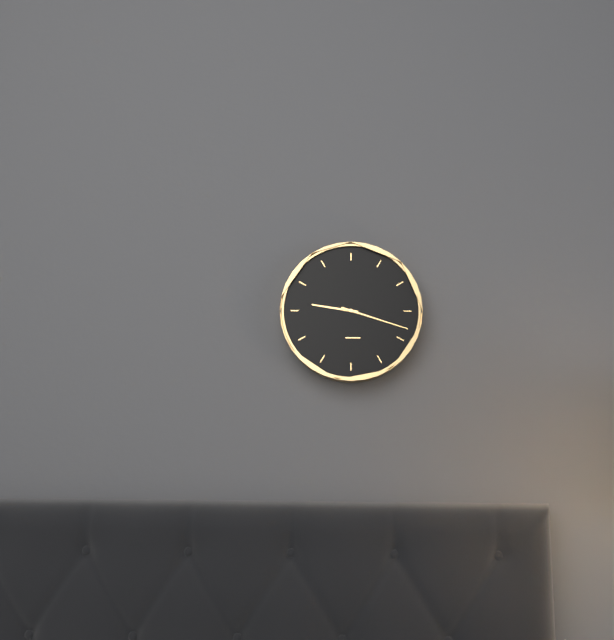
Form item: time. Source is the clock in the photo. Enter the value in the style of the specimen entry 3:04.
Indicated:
9:18
